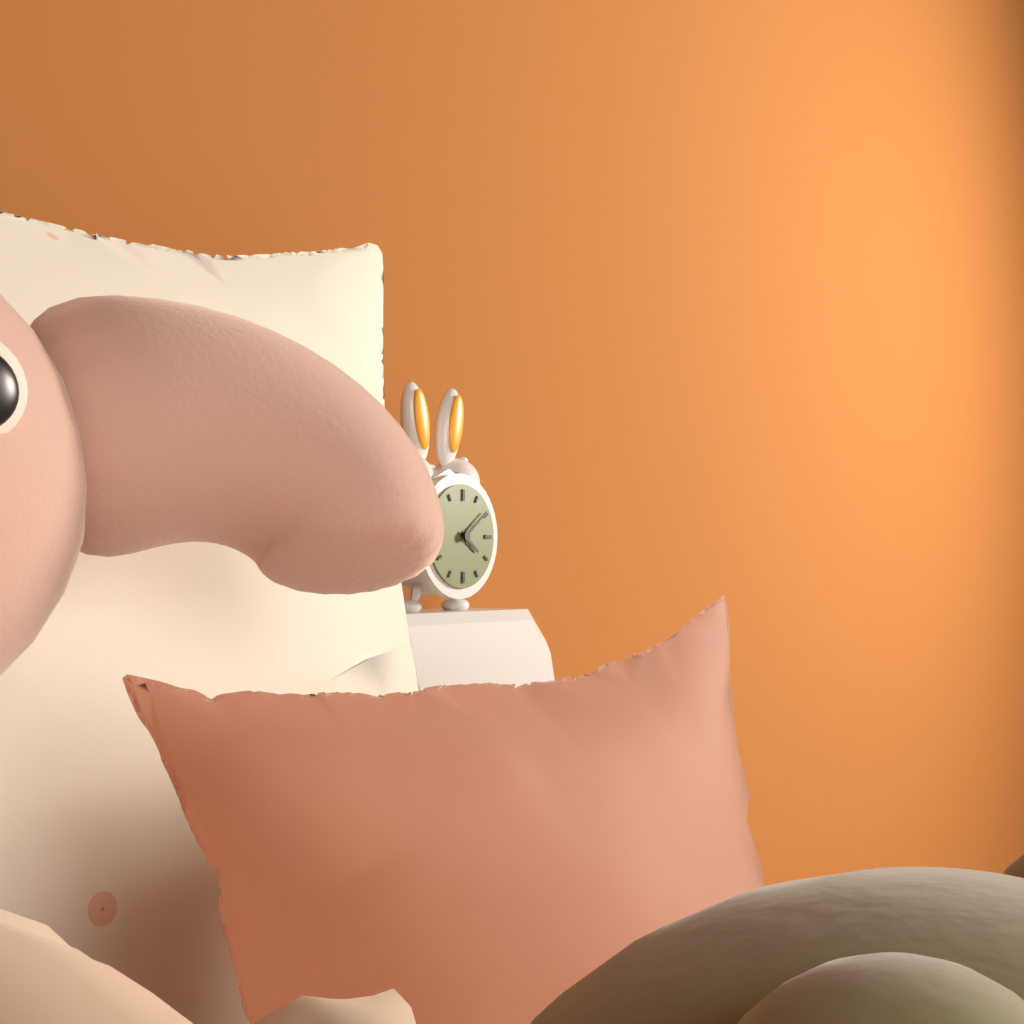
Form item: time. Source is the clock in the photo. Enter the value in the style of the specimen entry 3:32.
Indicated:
4:09
